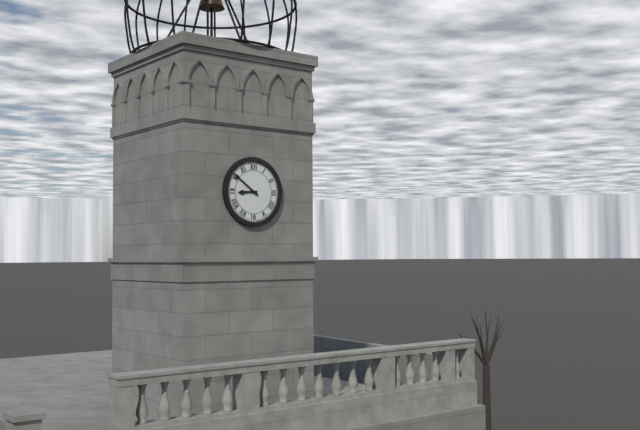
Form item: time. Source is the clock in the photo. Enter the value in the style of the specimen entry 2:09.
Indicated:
8:51
